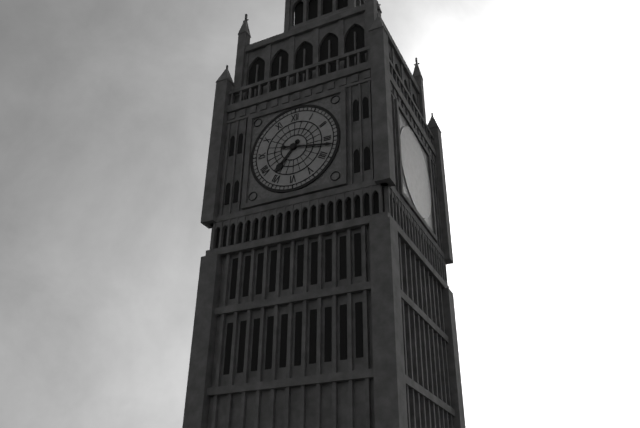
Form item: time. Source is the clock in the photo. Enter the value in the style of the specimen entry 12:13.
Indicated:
7:17
